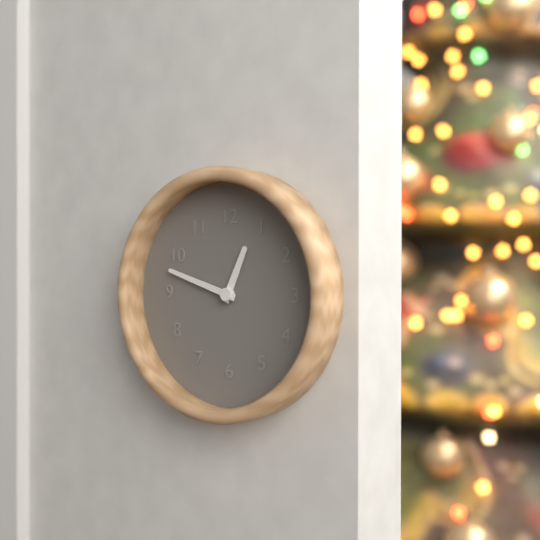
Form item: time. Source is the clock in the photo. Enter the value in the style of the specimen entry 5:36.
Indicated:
12:48
